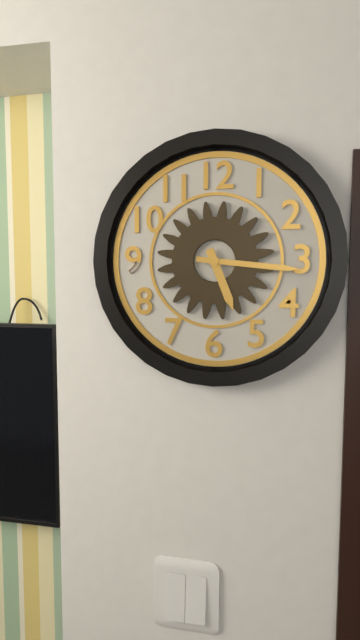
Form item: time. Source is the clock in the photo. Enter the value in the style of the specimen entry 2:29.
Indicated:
5:16
